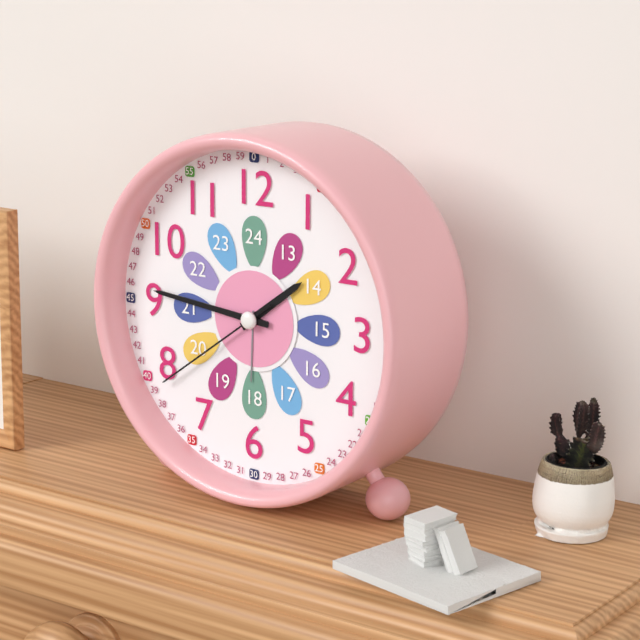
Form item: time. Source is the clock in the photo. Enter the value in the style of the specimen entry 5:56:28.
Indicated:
1:46:39
